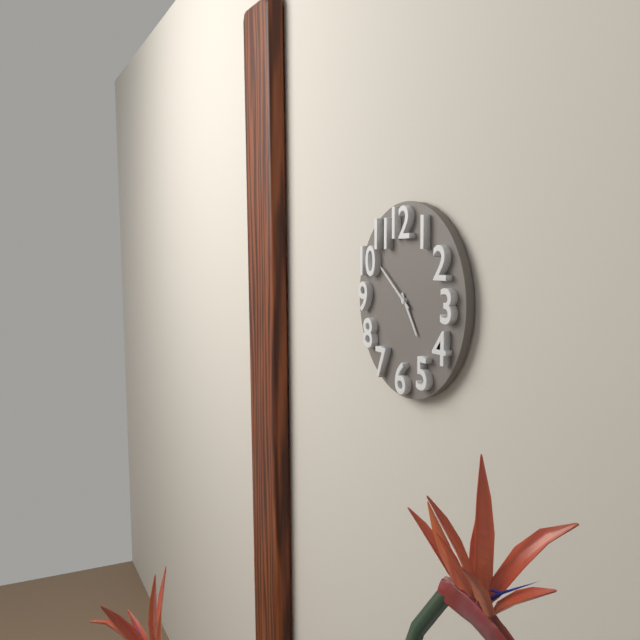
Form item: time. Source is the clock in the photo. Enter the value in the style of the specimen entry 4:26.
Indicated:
4:51
